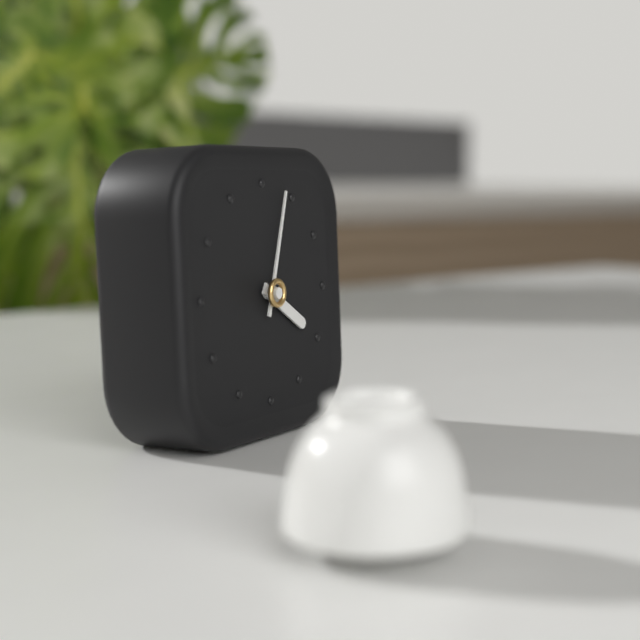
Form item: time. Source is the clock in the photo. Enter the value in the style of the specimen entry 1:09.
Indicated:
4:03
